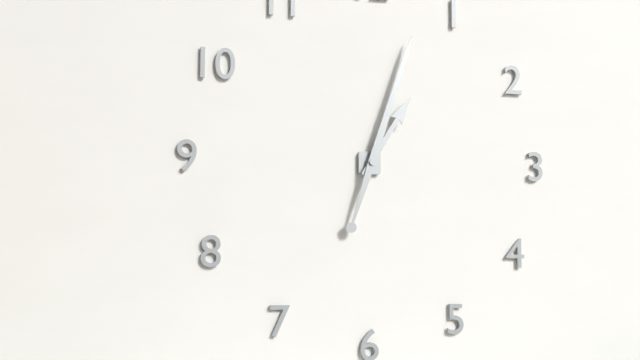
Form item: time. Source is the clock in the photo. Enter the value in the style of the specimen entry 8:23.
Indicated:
1:03
